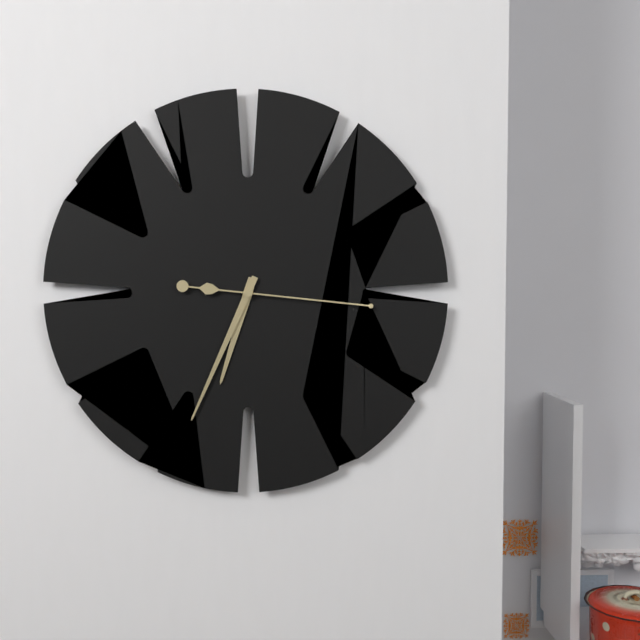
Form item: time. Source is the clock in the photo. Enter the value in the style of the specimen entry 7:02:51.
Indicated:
6:34:16
